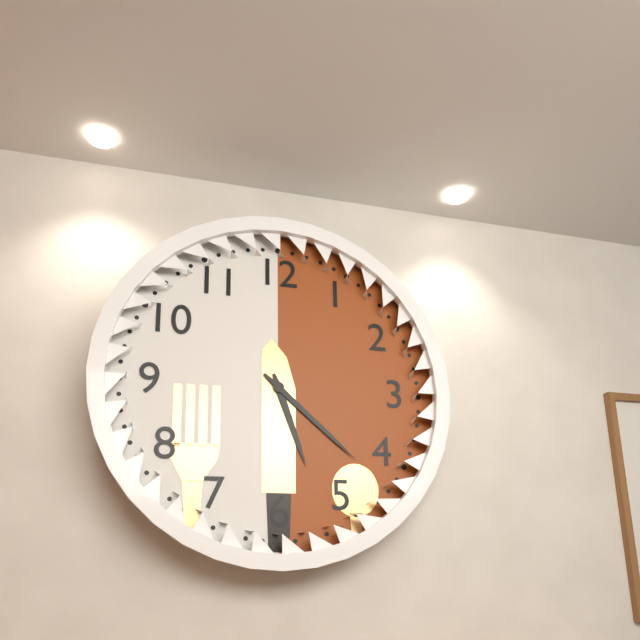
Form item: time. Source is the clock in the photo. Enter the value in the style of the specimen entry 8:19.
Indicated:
5:22
